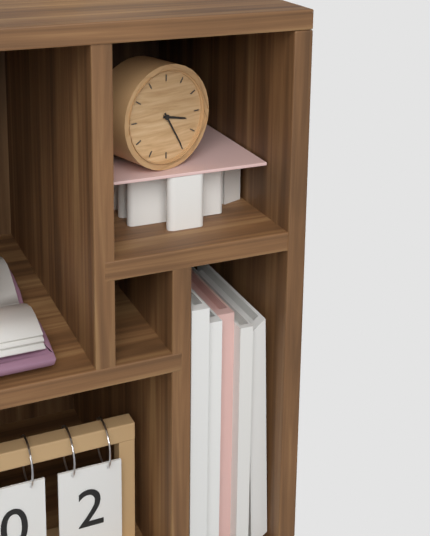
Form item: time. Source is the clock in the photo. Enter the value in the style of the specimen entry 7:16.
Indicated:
3:25
